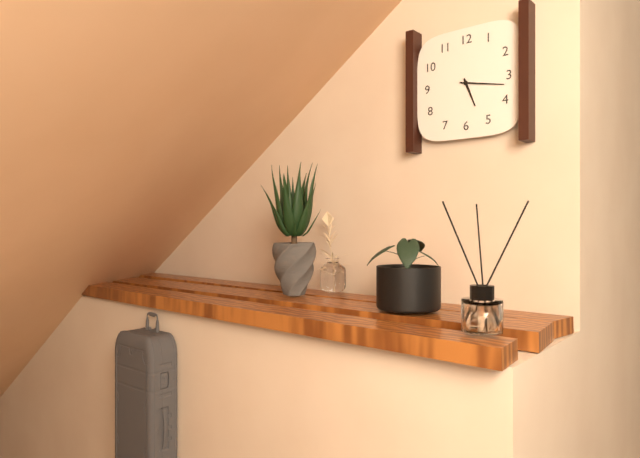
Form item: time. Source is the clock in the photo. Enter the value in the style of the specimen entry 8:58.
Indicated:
5:17
